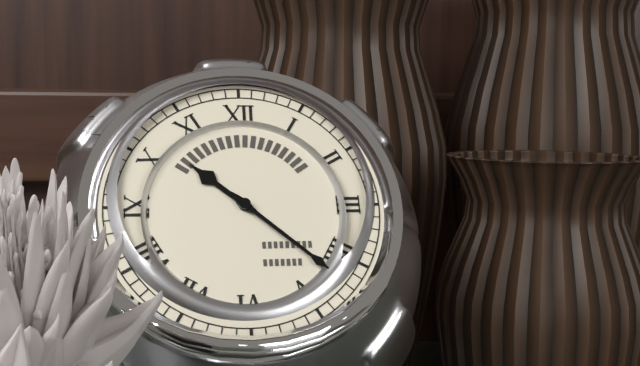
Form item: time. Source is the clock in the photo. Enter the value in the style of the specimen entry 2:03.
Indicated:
10:22
